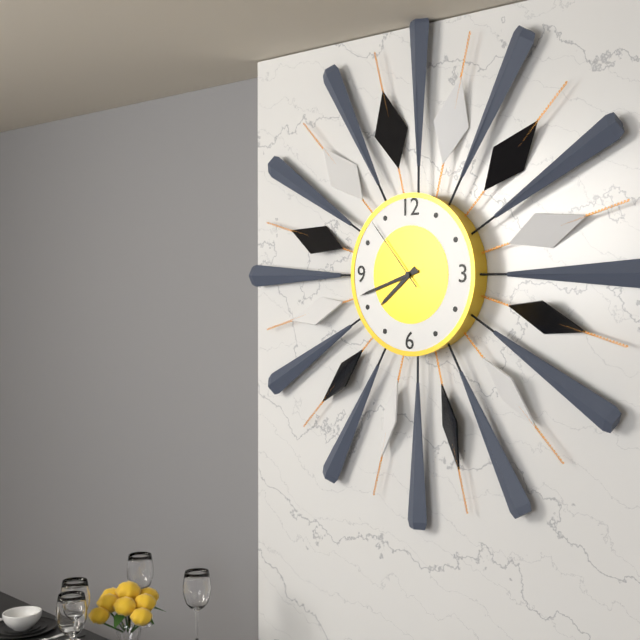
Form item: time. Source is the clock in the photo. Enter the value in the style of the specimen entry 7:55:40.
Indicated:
7:42:53
